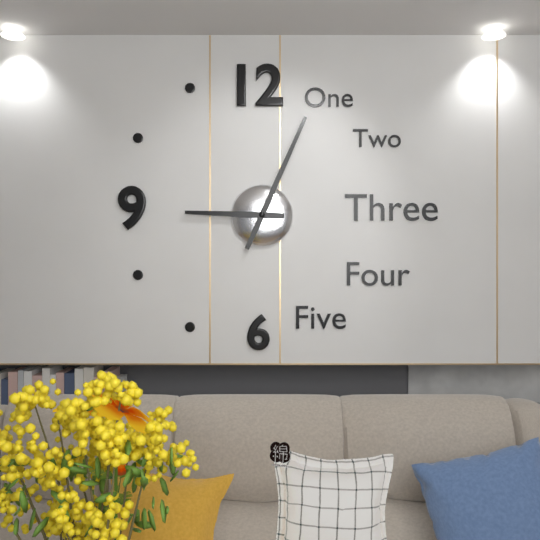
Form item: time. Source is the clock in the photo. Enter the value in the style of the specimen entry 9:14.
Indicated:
9:04
